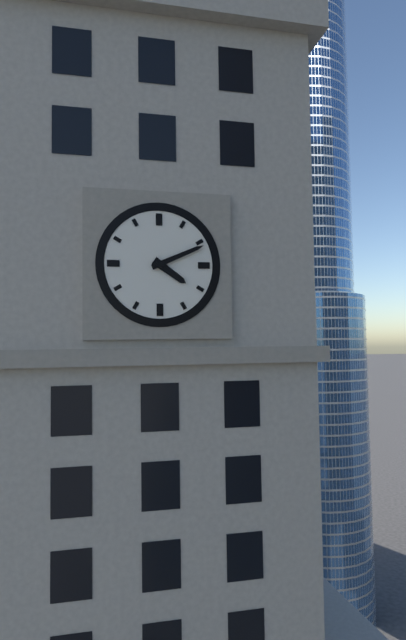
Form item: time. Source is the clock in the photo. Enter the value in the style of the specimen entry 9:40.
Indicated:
4:11
